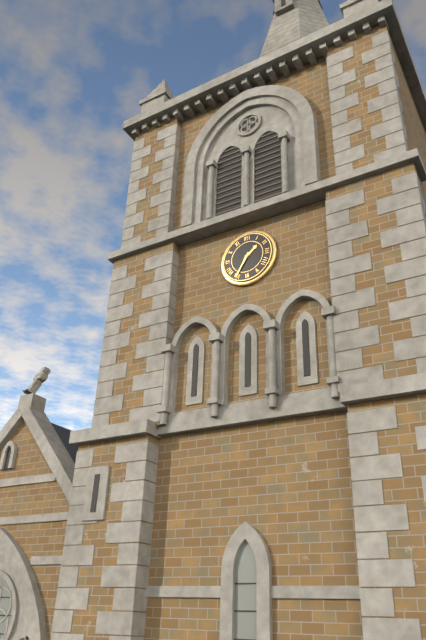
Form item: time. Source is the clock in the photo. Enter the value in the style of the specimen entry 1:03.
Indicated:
1:35
